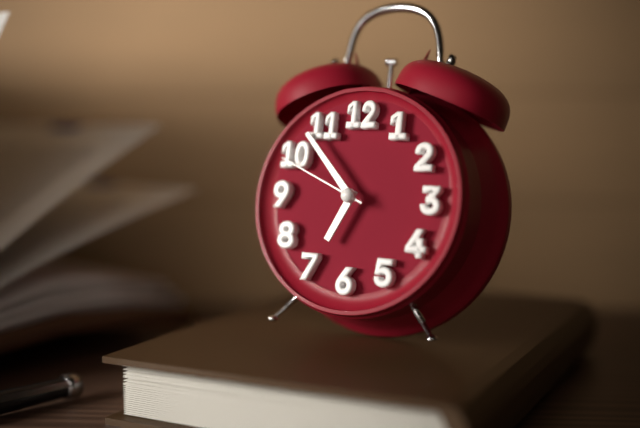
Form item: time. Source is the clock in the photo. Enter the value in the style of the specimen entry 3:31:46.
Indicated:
6:53:49
